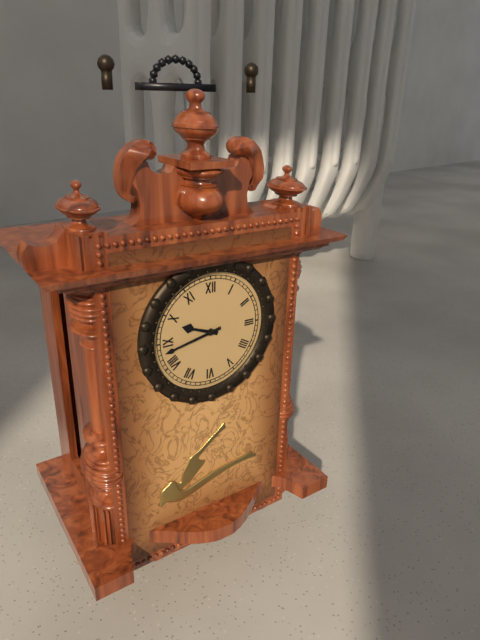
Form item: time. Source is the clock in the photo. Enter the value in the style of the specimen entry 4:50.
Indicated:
9:43
